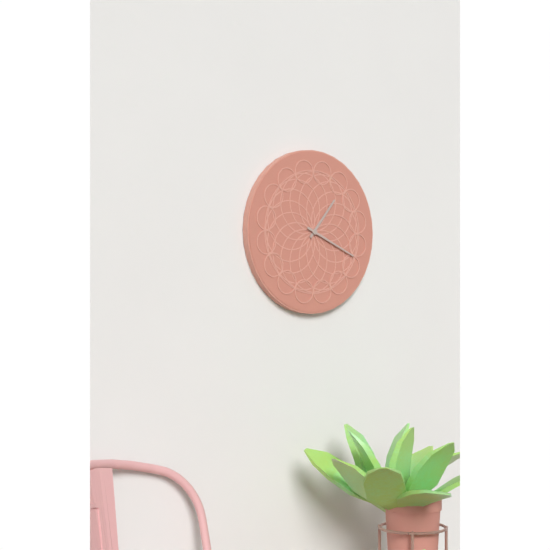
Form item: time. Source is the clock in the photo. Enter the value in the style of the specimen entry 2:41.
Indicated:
1:19
